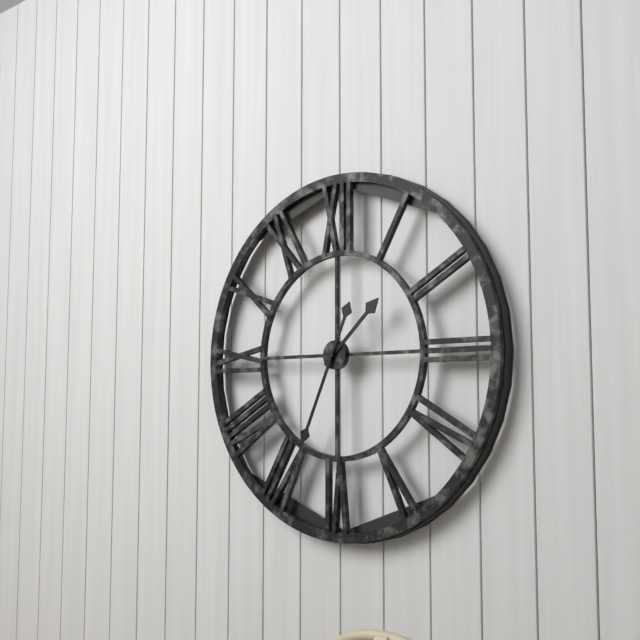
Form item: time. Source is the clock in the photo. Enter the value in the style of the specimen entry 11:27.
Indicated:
1:34
